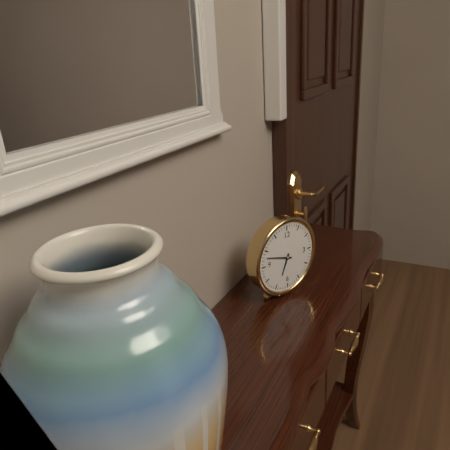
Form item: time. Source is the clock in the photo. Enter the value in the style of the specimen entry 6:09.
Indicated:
6:48
